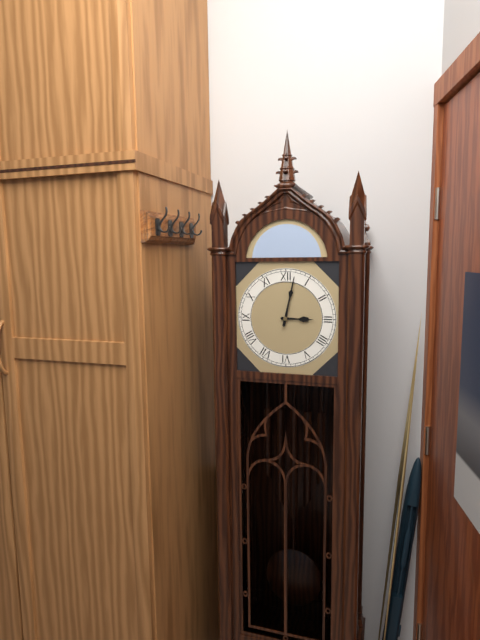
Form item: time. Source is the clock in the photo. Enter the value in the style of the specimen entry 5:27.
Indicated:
3:02
